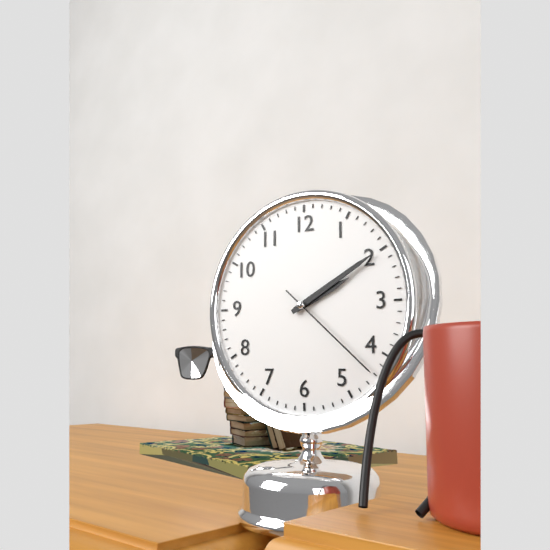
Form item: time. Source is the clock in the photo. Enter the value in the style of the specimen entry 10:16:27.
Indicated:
2:10:22
